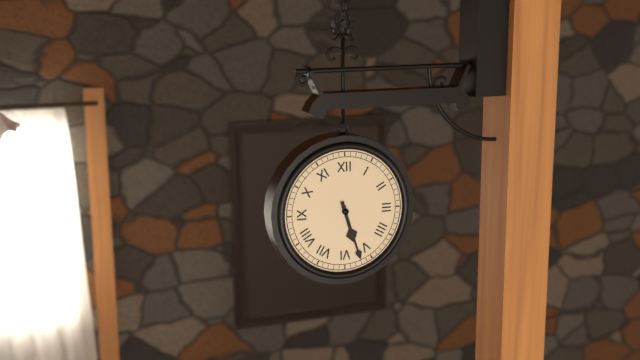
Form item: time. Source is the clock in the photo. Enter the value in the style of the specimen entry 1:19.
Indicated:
5:27
